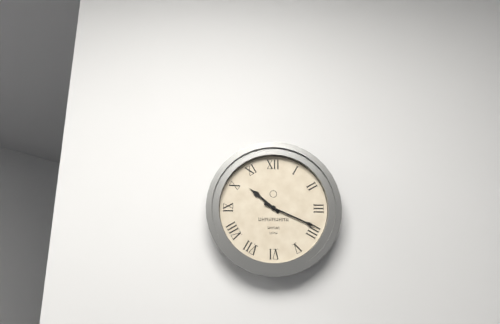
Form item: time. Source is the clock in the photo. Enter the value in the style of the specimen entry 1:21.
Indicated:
10:19
